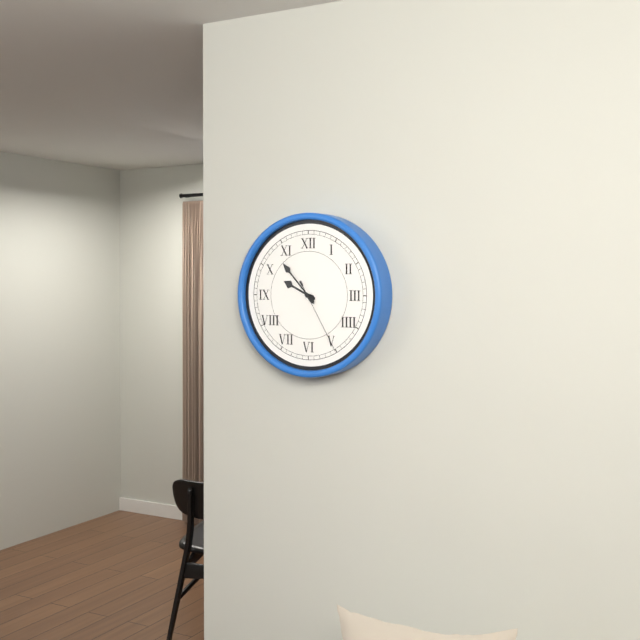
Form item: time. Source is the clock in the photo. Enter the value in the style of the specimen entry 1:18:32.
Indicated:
9:53:25
